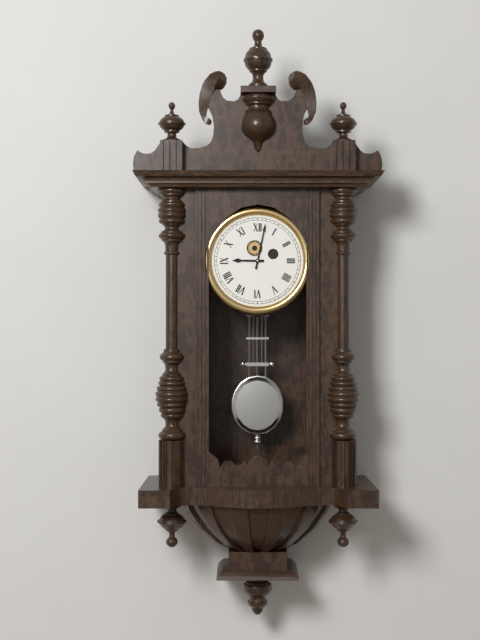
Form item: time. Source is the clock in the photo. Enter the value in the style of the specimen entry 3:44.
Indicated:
9:02
